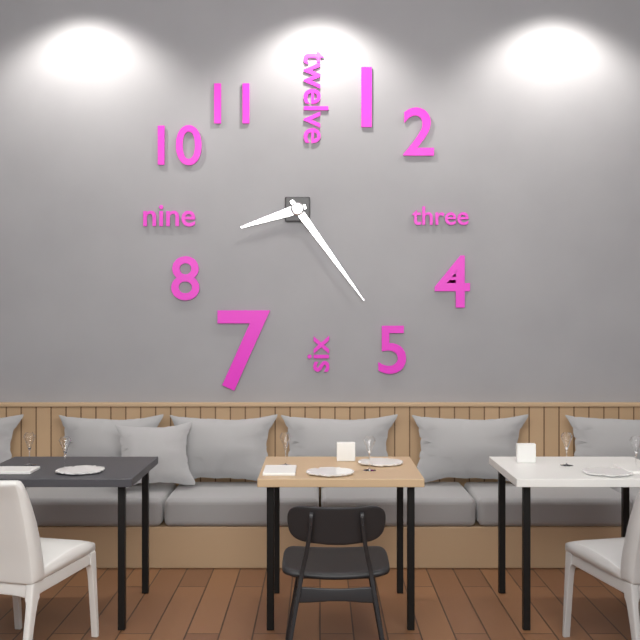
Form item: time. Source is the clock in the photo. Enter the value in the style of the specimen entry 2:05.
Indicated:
8:24
